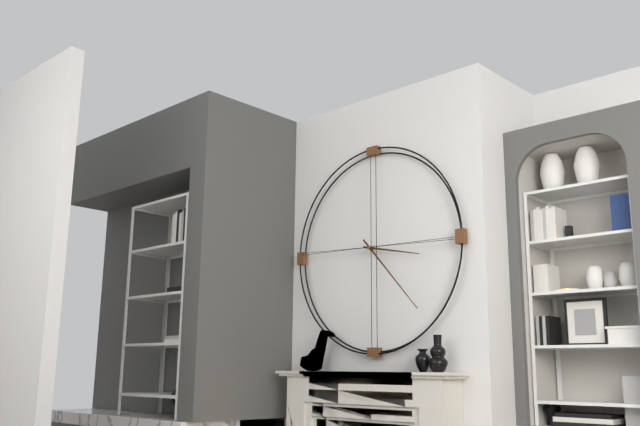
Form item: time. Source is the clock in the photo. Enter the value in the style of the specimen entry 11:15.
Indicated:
3:23
